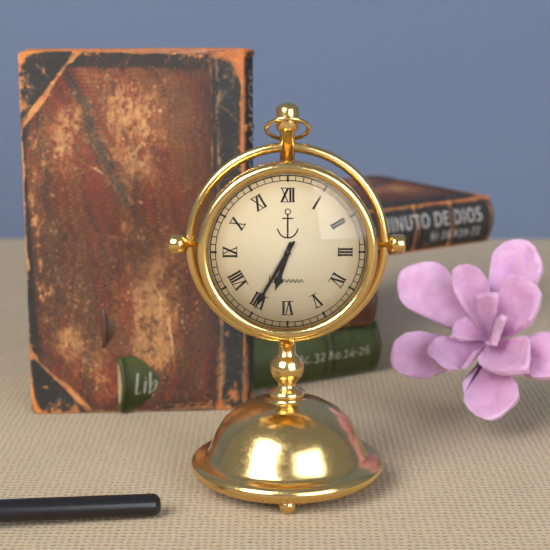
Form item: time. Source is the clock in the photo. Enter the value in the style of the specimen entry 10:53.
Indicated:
6:35
